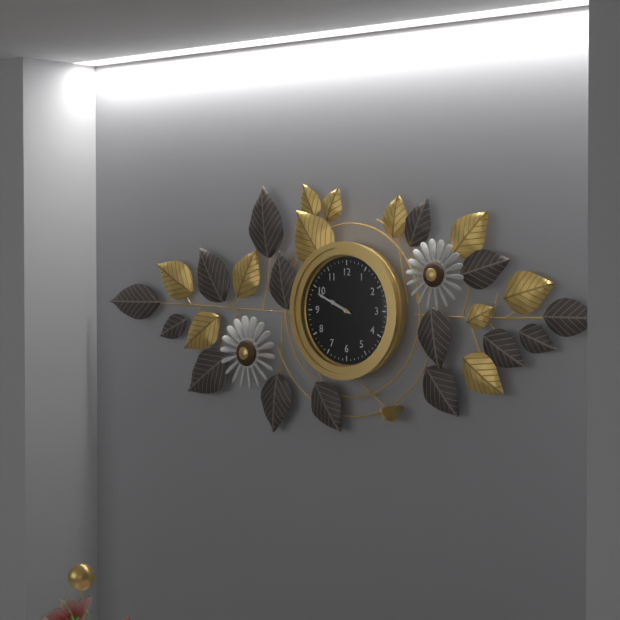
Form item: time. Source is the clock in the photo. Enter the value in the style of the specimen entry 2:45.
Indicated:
9:49
